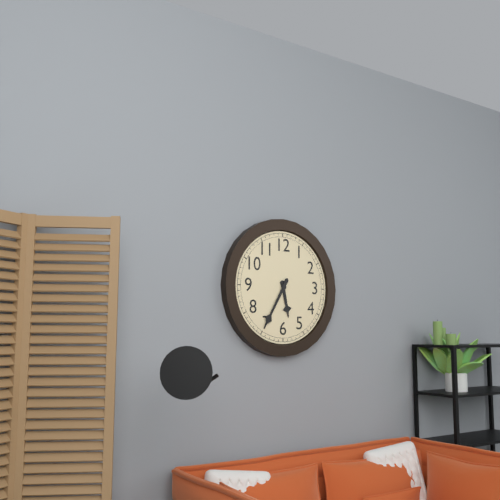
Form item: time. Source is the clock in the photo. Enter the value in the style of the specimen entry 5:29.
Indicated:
5:35
